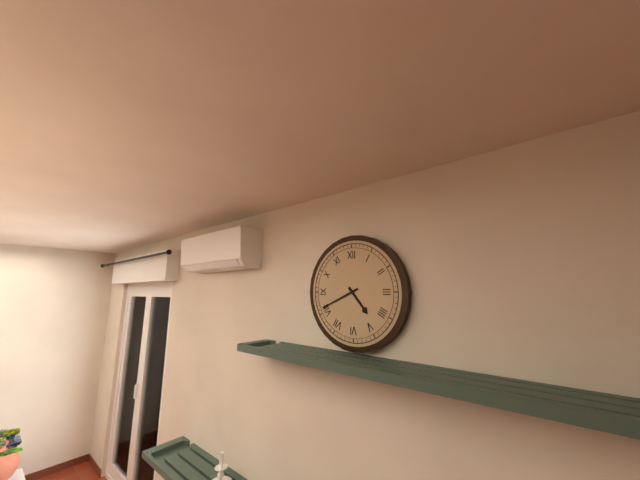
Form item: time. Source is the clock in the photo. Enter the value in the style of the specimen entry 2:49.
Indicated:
4:41
